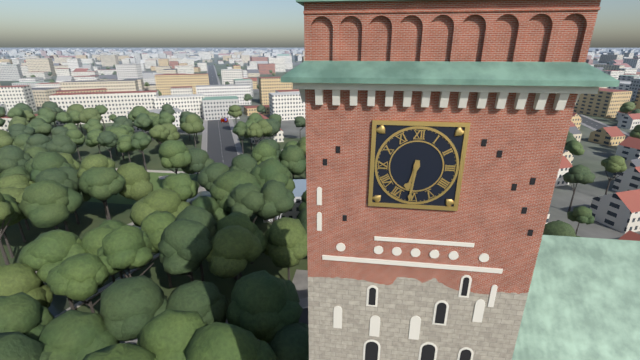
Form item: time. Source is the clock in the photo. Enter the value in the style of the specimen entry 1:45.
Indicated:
6:31
